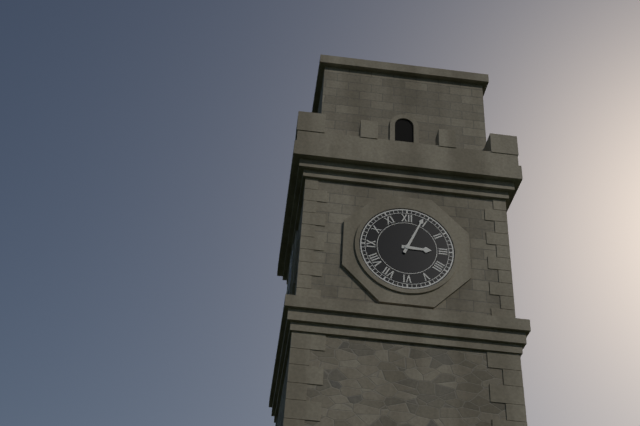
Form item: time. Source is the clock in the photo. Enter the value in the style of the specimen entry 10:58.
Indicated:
3:04
